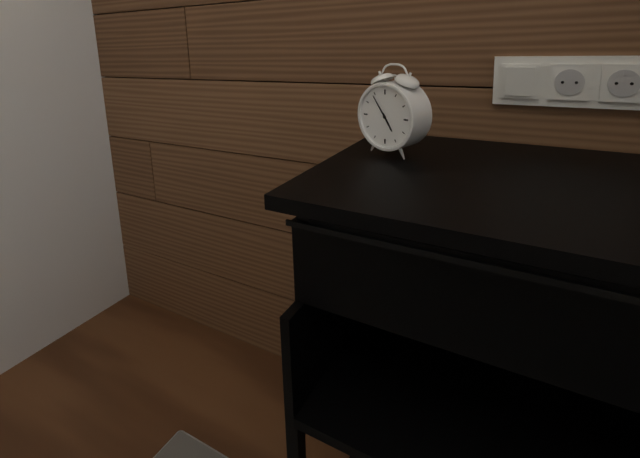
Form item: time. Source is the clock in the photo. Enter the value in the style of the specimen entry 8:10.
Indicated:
4:54
